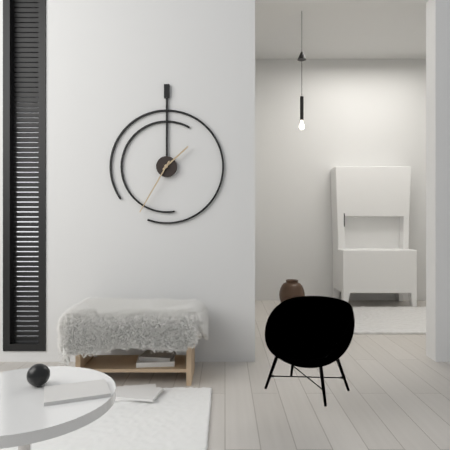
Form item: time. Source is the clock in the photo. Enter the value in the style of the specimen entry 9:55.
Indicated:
1:35
